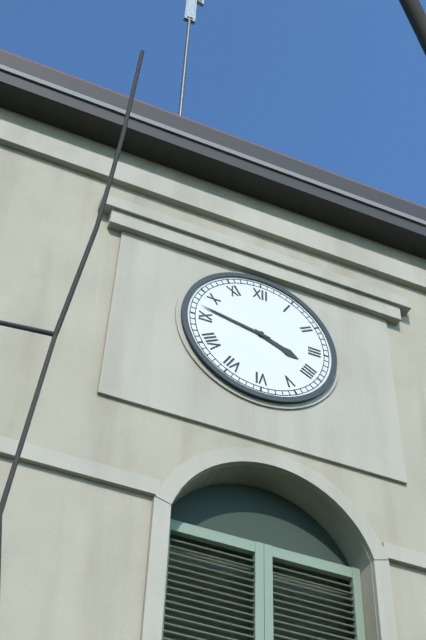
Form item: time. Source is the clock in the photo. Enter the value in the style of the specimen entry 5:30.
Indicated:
3:47
